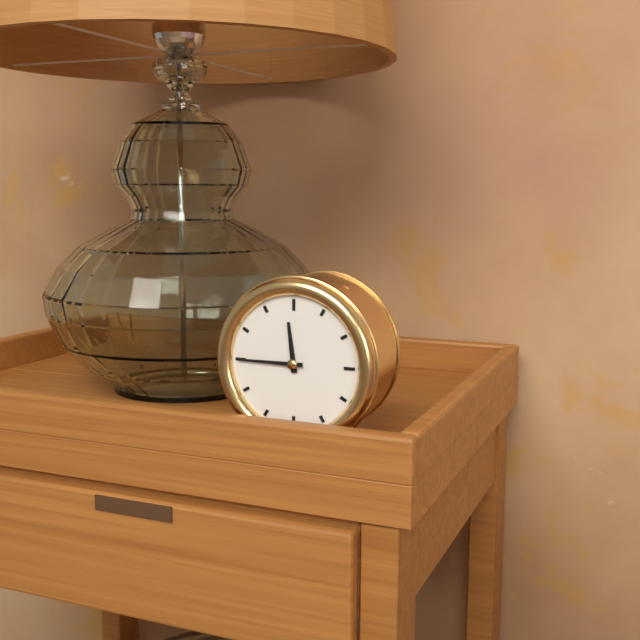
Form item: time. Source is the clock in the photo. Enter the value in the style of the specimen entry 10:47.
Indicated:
11:45
